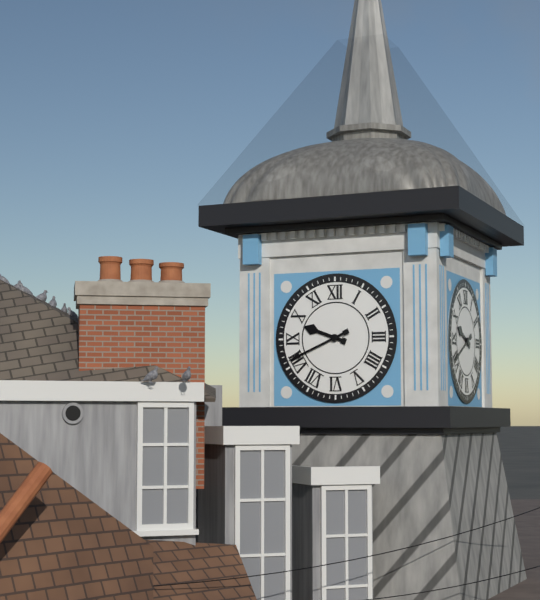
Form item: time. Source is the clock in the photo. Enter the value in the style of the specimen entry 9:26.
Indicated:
9:41
